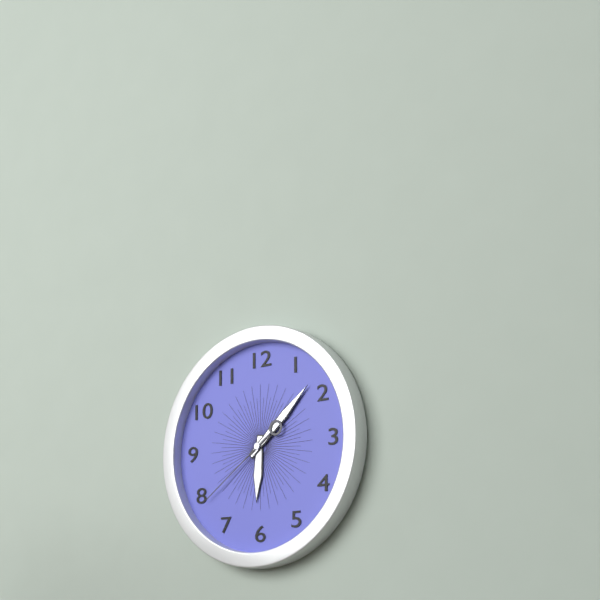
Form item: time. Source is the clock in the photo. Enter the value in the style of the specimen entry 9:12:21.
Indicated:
6:08:39
